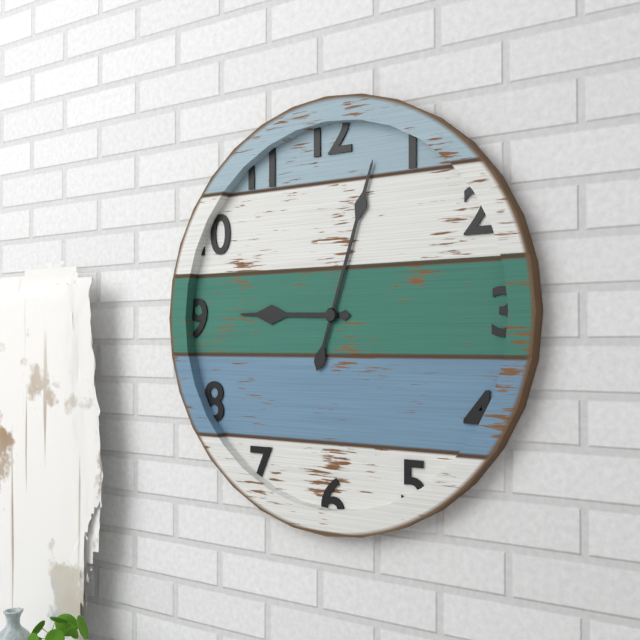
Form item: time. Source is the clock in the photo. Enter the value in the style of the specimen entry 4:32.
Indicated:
9:03
